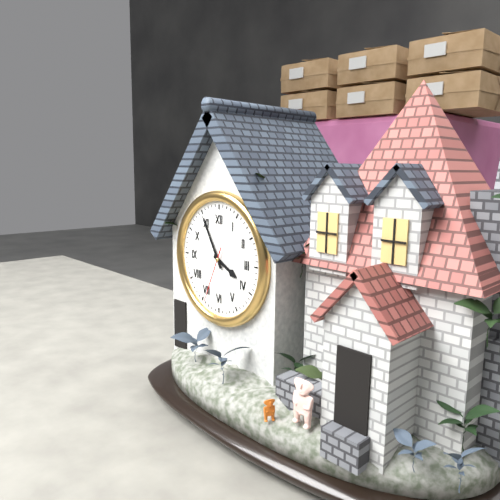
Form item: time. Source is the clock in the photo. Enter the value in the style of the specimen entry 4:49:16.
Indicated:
3:55:34
